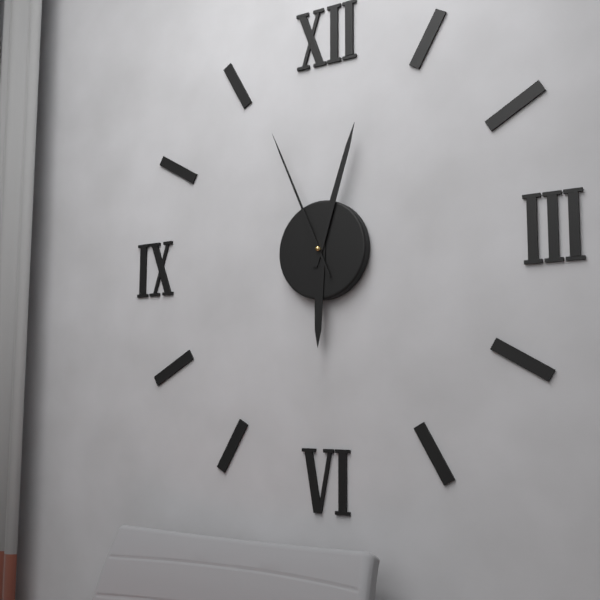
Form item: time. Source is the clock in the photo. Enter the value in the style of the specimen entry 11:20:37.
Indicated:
6:03:56
